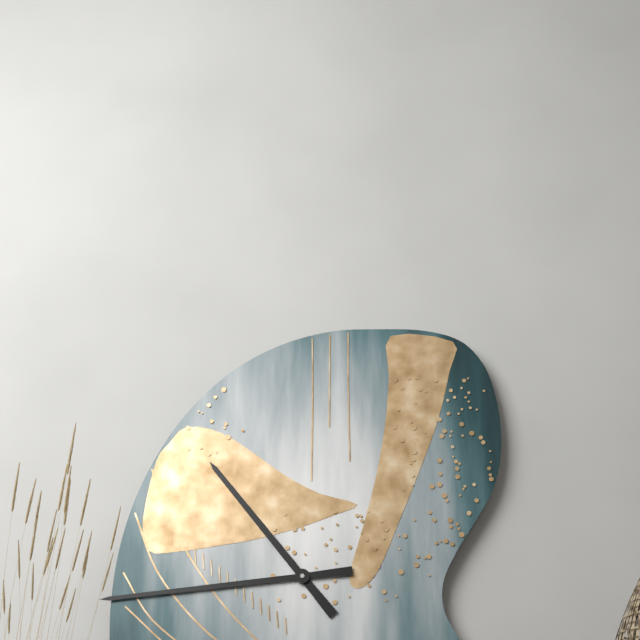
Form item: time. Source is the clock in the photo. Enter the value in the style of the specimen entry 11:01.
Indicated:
10:44
